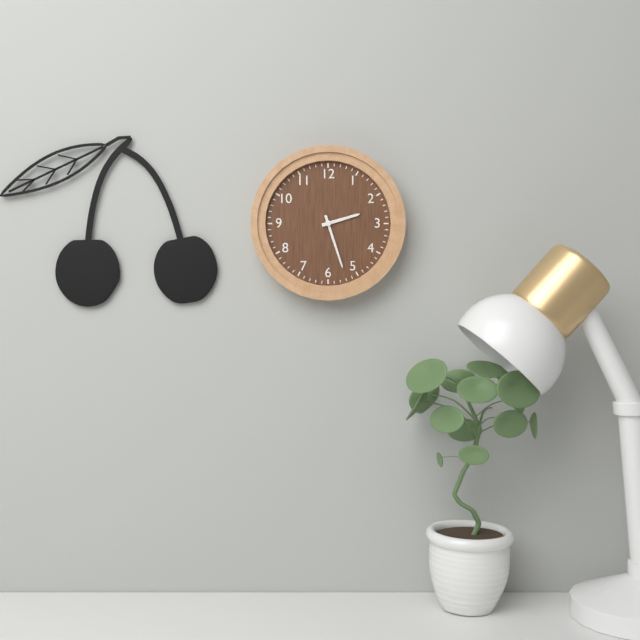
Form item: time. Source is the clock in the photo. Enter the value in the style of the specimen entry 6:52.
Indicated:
2:27
